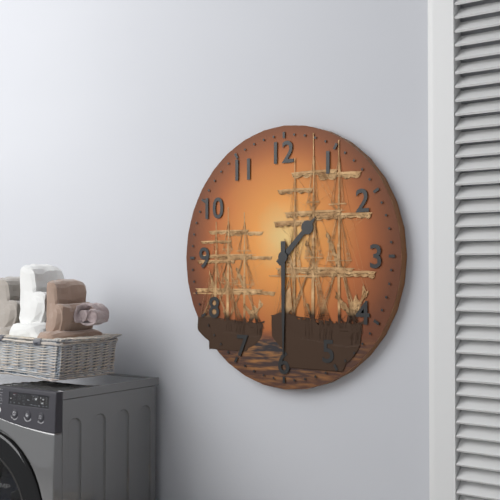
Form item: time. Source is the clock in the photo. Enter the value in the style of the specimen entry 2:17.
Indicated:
1:30
